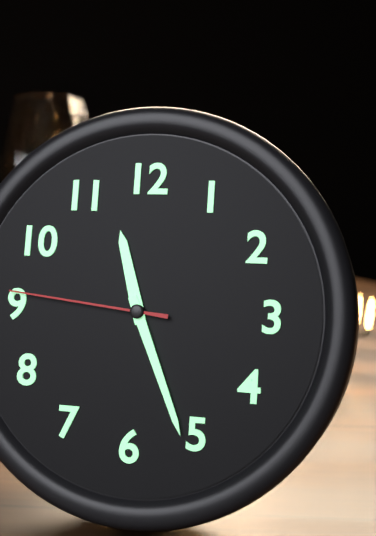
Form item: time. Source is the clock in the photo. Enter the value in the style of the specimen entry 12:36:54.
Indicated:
11:26:46
